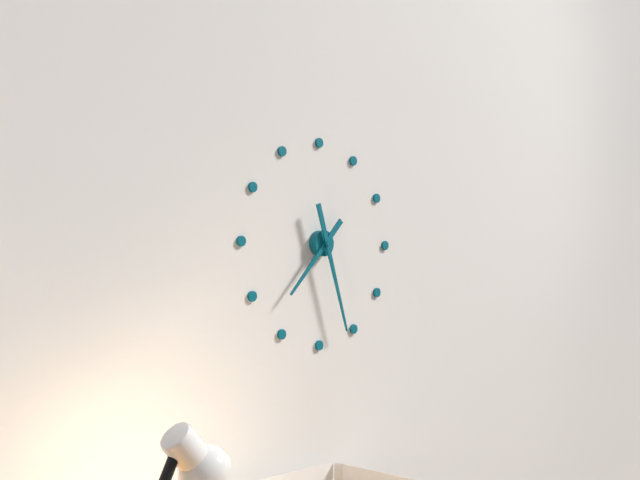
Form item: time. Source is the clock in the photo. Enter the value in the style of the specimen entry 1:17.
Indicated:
7:27
